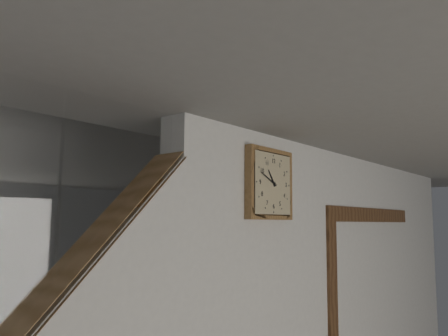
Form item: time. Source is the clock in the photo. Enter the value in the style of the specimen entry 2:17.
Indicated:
10:49
